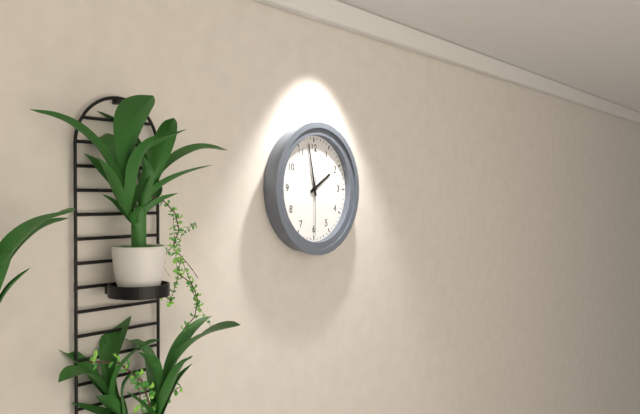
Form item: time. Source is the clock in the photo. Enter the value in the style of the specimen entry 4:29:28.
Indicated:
1:58:30
